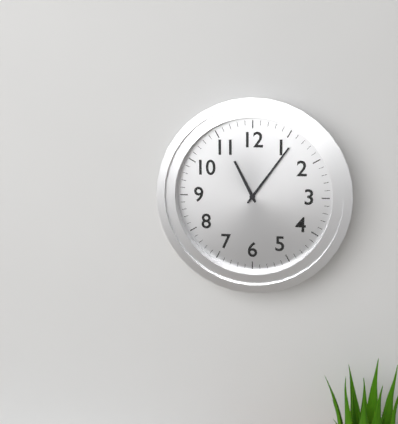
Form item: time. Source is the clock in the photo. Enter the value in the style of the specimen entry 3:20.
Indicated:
11:06
